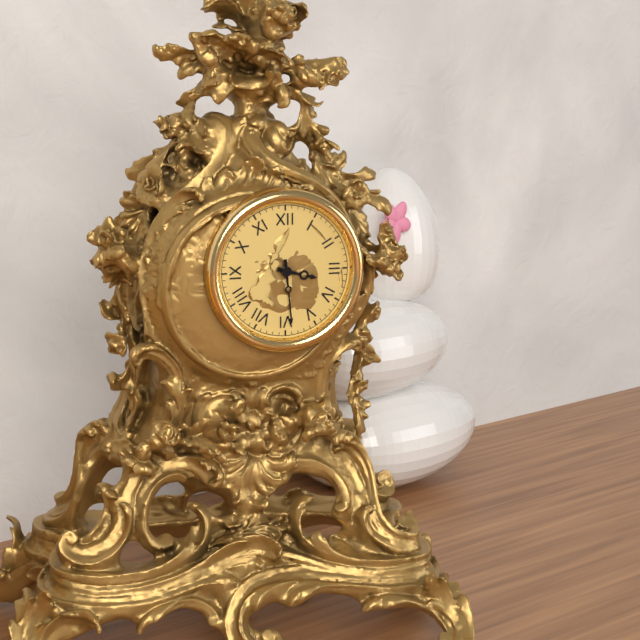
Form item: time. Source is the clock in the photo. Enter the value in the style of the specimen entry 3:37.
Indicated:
3:29
